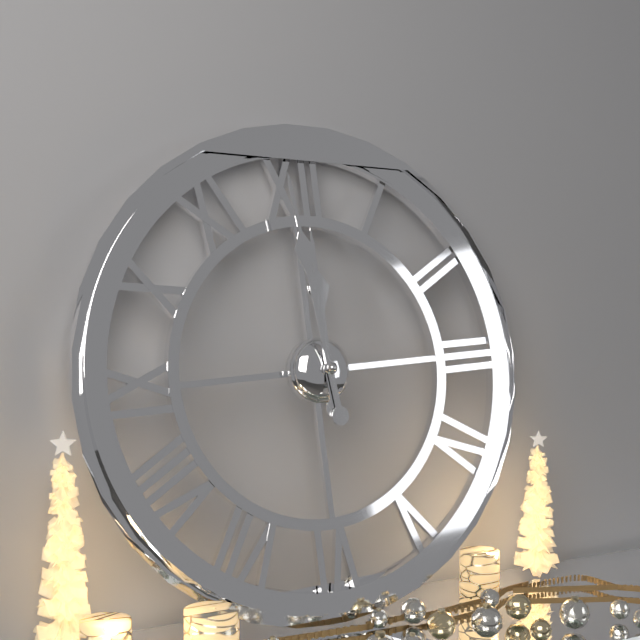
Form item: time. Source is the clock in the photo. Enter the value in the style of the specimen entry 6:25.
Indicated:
11:59
